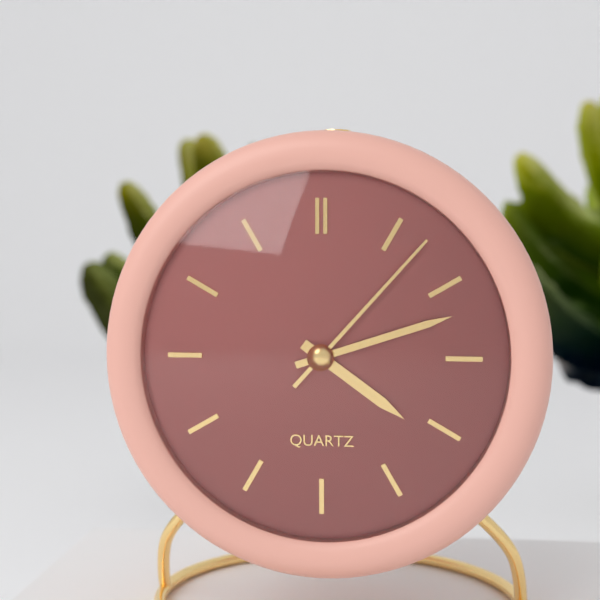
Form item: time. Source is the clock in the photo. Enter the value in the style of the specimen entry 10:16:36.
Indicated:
4:12:07
